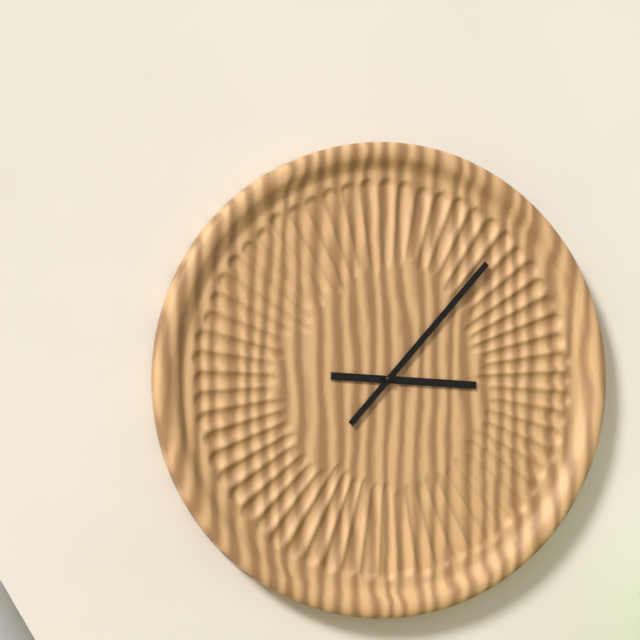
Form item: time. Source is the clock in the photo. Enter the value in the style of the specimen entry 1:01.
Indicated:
3:07
